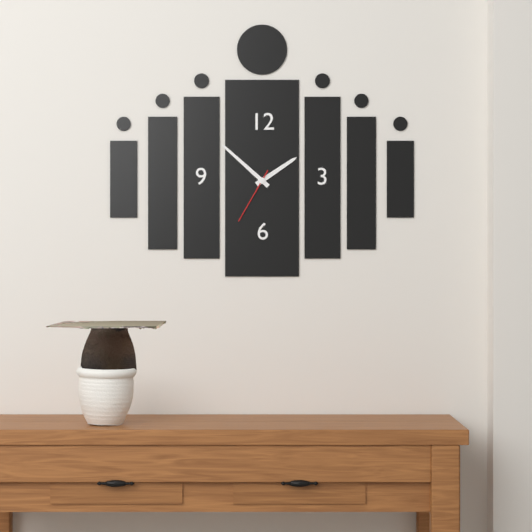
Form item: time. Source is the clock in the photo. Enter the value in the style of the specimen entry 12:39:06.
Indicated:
1:52:35
